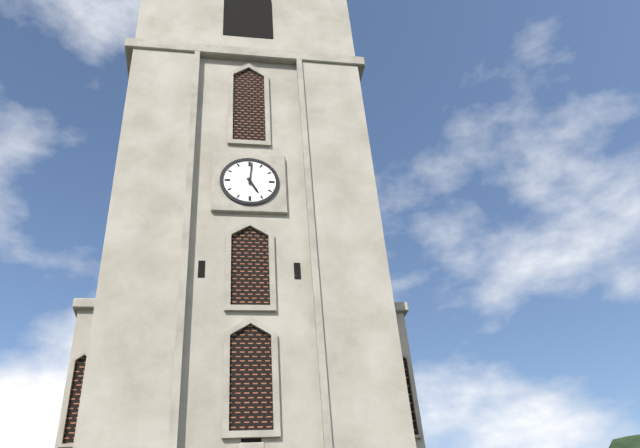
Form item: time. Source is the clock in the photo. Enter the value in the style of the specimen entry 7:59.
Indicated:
5:01
